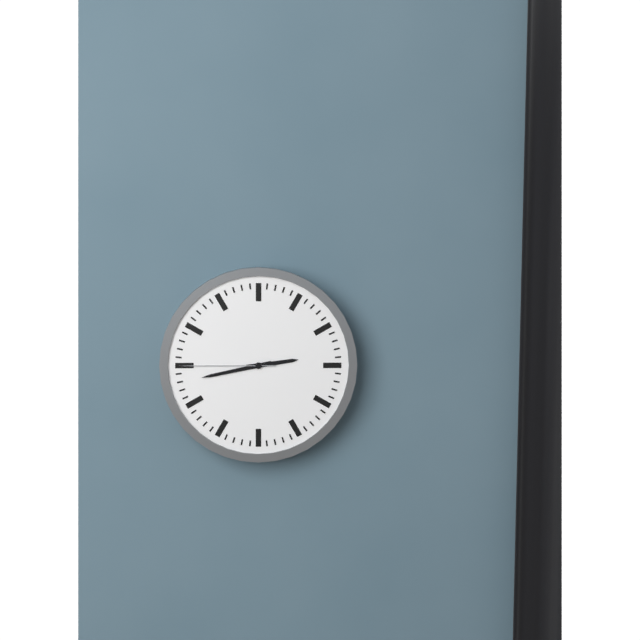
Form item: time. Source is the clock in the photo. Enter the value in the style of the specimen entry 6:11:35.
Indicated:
2:43:45
